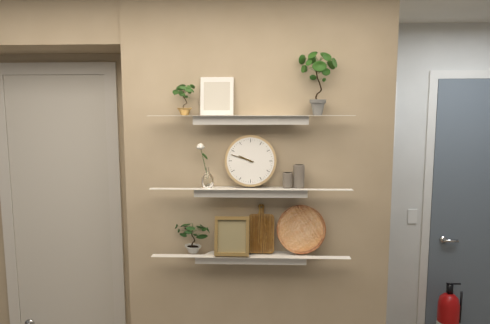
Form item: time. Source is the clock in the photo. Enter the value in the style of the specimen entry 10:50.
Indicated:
9:48
